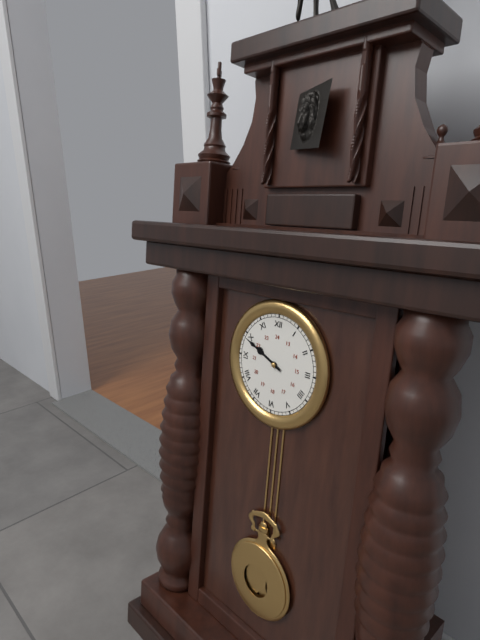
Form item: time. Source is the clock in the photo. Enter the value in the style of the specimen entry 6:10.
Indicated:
9:49
